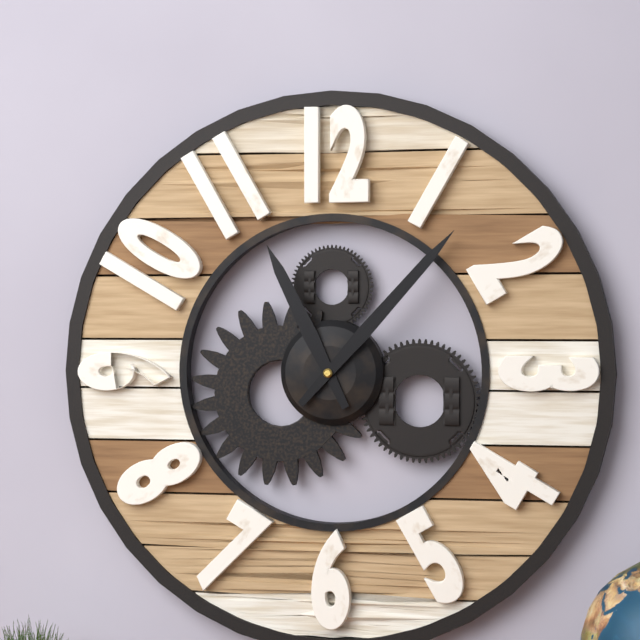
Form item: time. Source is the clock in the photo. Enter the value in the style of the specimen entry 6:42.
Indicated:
11:07
